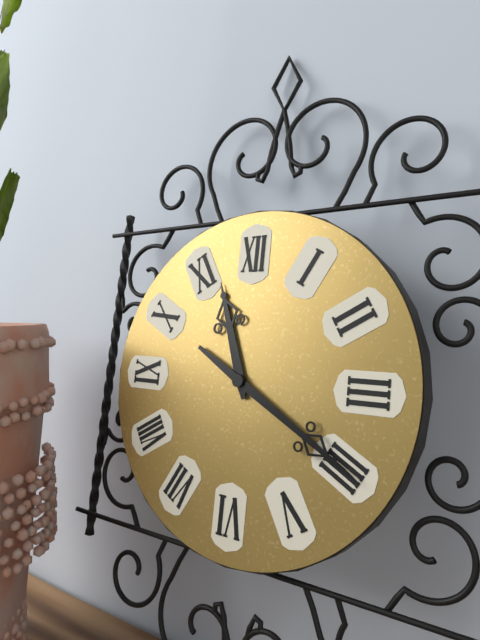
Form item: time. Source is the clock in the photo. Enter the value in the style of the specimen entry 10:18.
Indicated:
11:20
